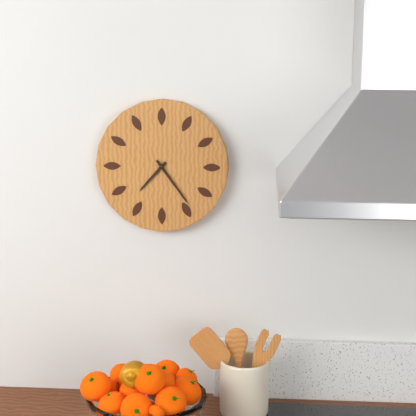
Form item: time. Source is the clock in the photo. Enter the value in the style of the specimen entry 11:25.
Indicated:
7:24
